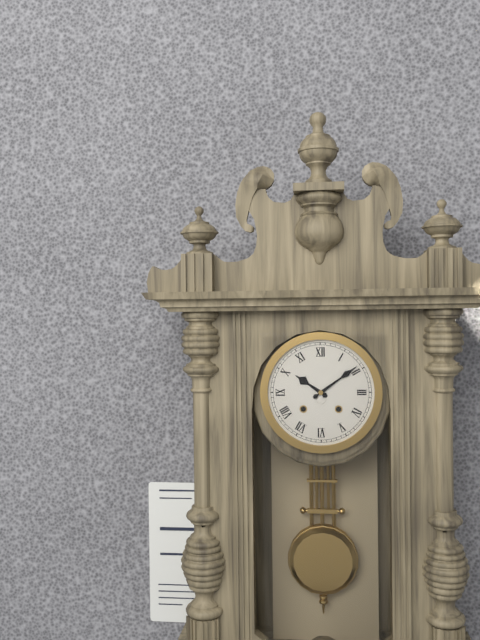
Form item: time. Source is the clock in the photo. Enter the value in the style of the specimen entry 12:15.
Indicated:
10:09
